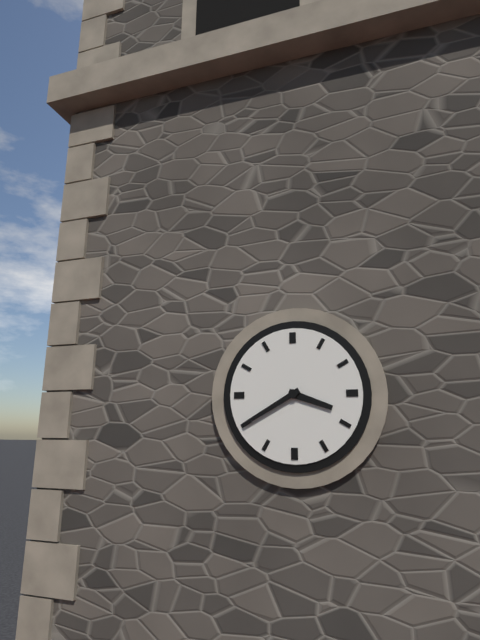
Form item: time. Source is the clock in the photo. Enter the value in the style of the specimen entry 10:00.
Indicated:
3:40
